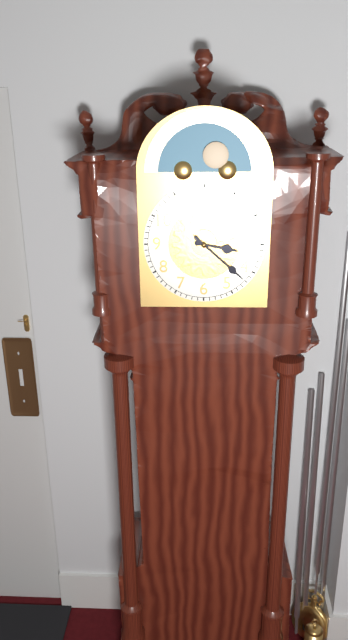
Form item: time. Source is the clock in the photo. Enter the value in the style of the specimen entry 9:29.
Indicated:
3:22
